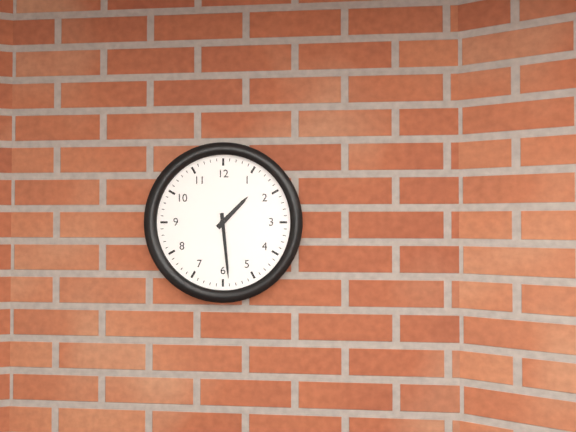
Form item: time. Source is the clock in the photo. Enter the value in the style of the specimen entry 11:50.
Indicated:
1:29
